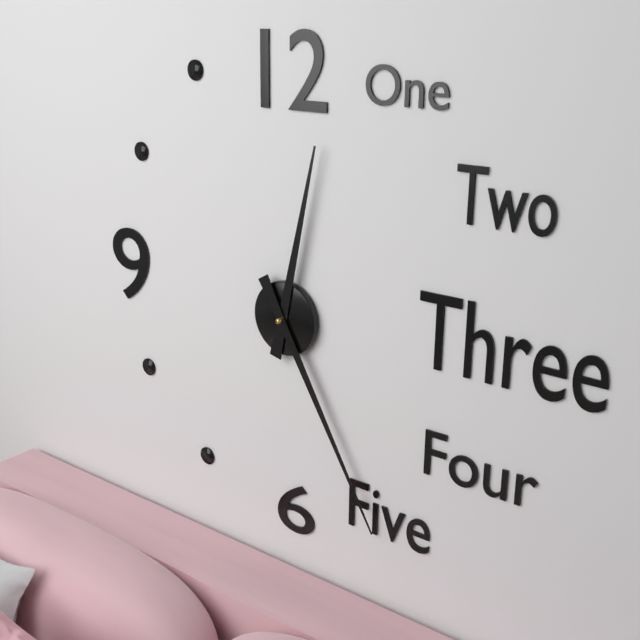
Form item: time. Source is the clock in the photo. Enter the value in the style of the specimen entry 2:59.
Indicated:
12:25
